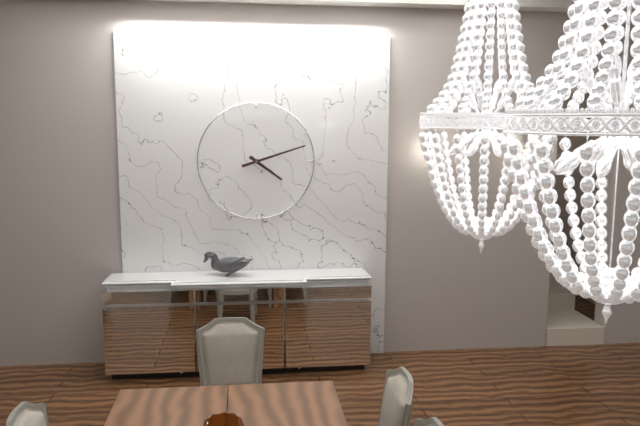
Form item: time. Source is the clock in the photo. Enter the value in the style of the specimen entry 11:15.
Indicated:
4:12
